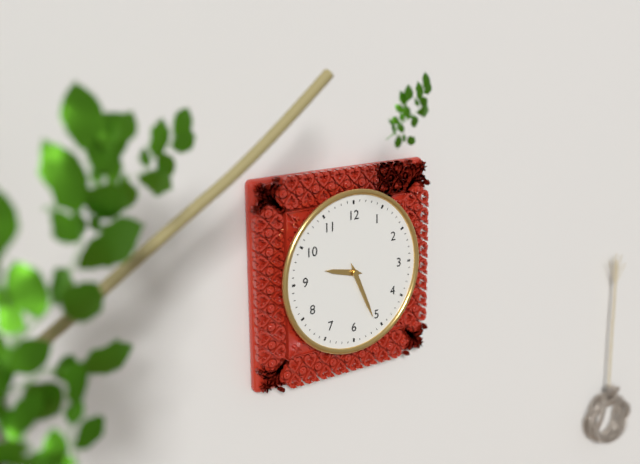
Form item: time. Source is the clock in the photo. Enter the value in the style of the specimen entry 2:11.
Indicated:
9:26
